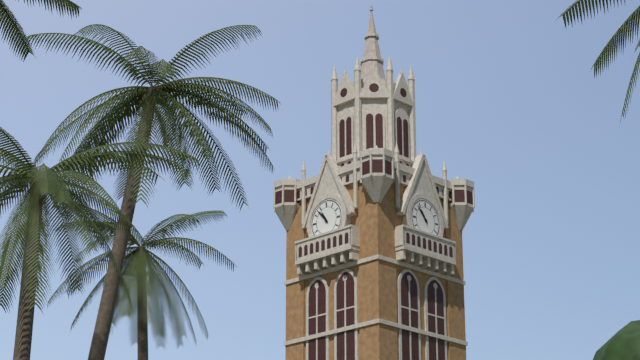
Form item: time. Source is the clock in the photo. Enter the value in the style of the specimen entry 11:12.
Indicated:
10:53
